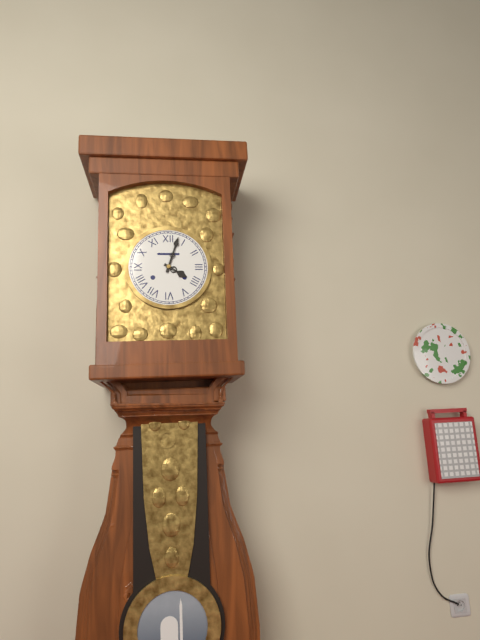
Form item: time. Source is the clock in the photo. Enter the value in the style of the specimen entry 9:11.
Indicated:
4:03
